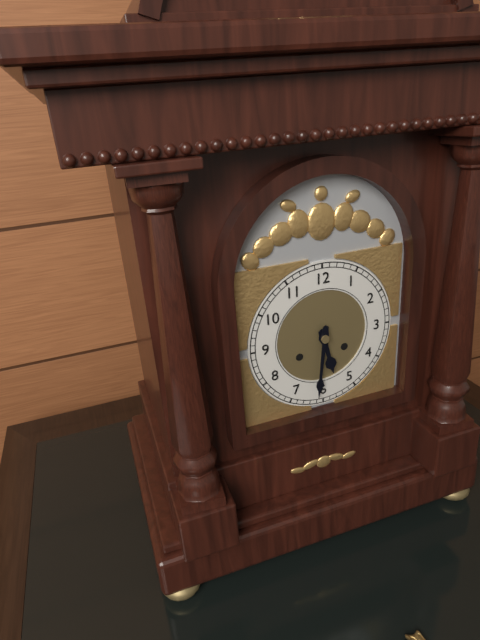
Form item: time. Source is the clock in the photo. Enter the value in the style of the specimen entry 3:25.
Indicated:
5:31
